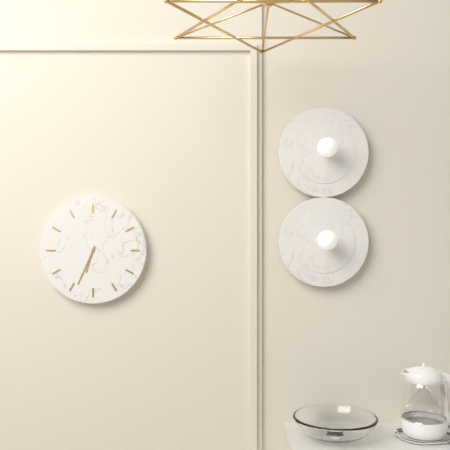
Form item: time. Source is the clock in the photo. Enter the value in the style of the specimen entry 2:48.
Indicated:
6:34
